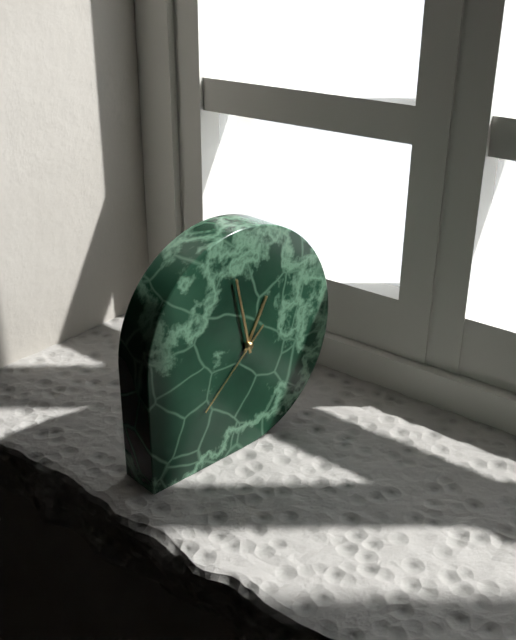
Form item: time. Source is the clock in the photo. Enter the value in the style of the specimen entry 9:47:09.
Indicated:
12:58:38
